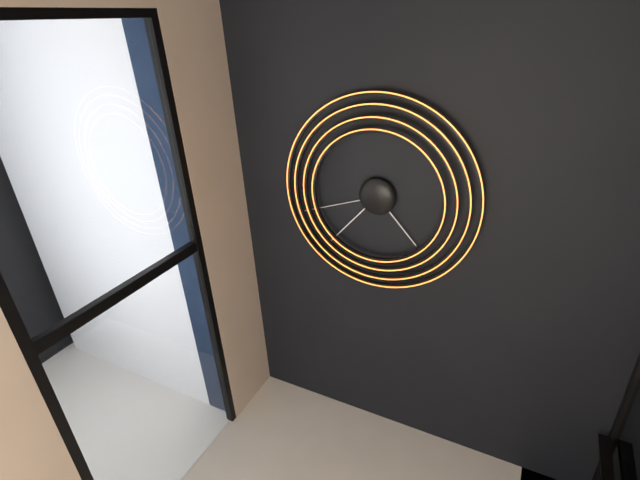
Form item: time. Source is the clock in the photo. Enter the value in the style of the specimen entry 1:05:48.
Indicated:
4:37:42
